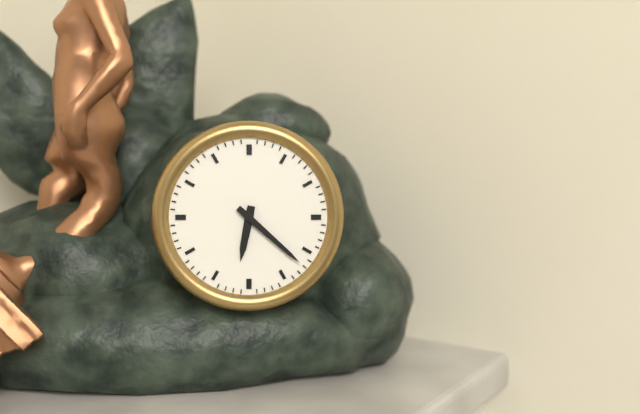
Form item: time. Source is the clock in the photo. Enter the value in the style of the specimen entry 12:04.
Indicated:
6:22
